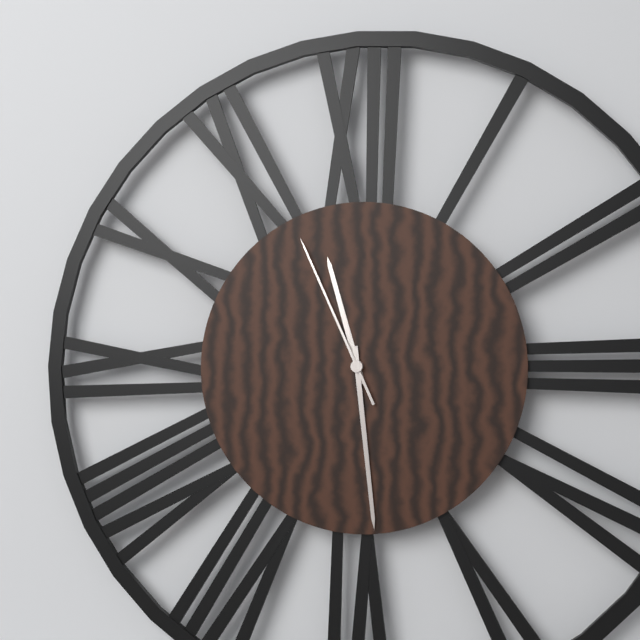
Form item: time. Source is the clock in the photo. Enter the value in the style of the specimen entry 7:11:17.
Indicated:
11:29:56
